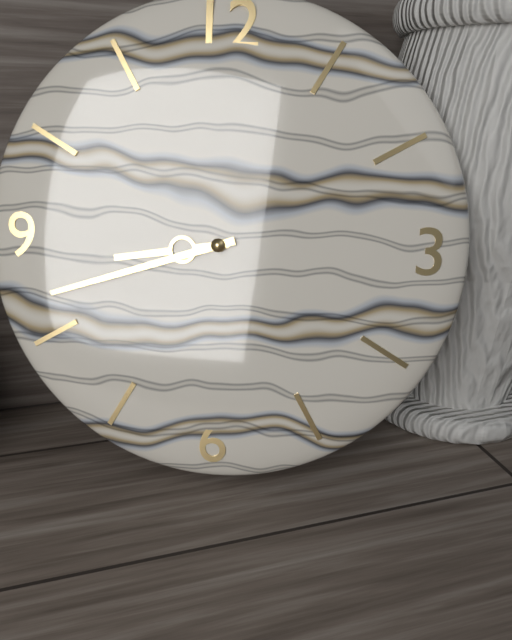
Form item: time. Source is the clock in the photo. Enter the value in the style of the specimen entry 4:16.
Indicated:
8:42
